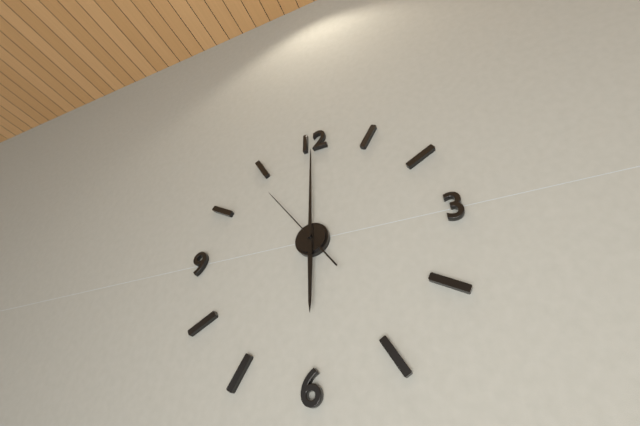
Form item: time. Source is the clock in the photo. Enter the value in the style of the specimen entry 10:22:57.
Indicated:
6:00:54
